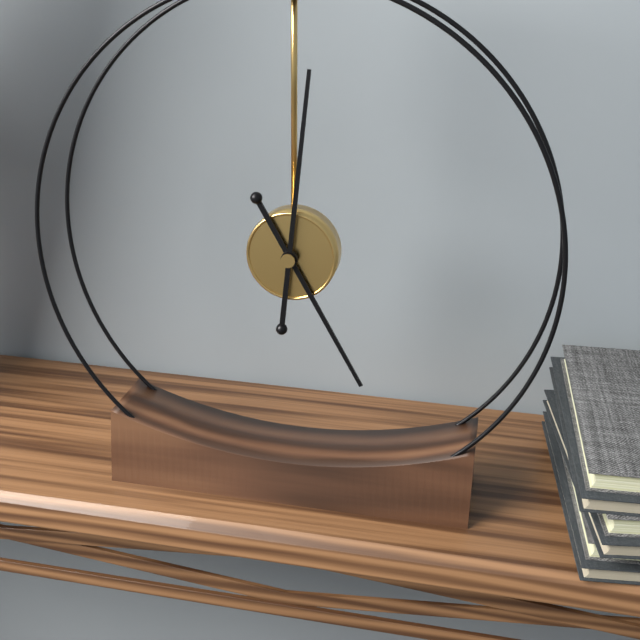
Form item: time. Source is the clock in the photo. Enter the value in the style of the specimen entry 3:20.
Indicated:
5:01
